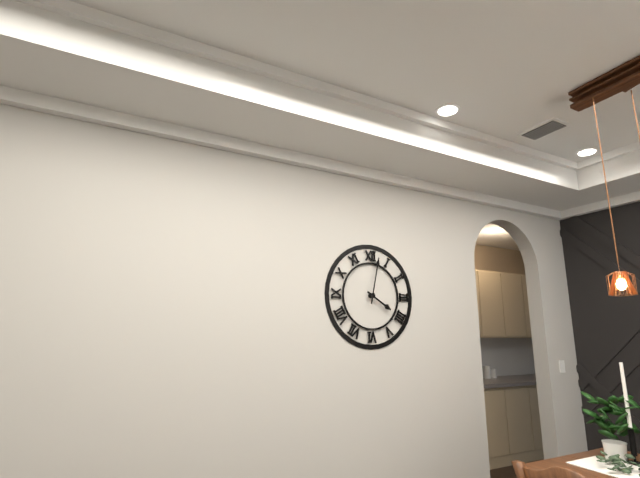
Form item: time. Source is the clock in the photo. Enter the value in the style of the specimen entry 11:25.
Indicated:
4:02
